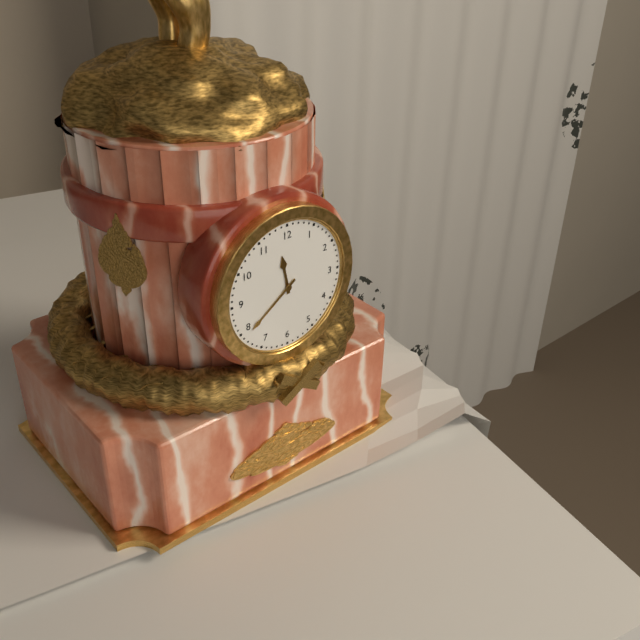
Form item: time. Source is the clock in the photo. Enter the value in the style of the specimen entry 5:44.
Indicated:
11:39
